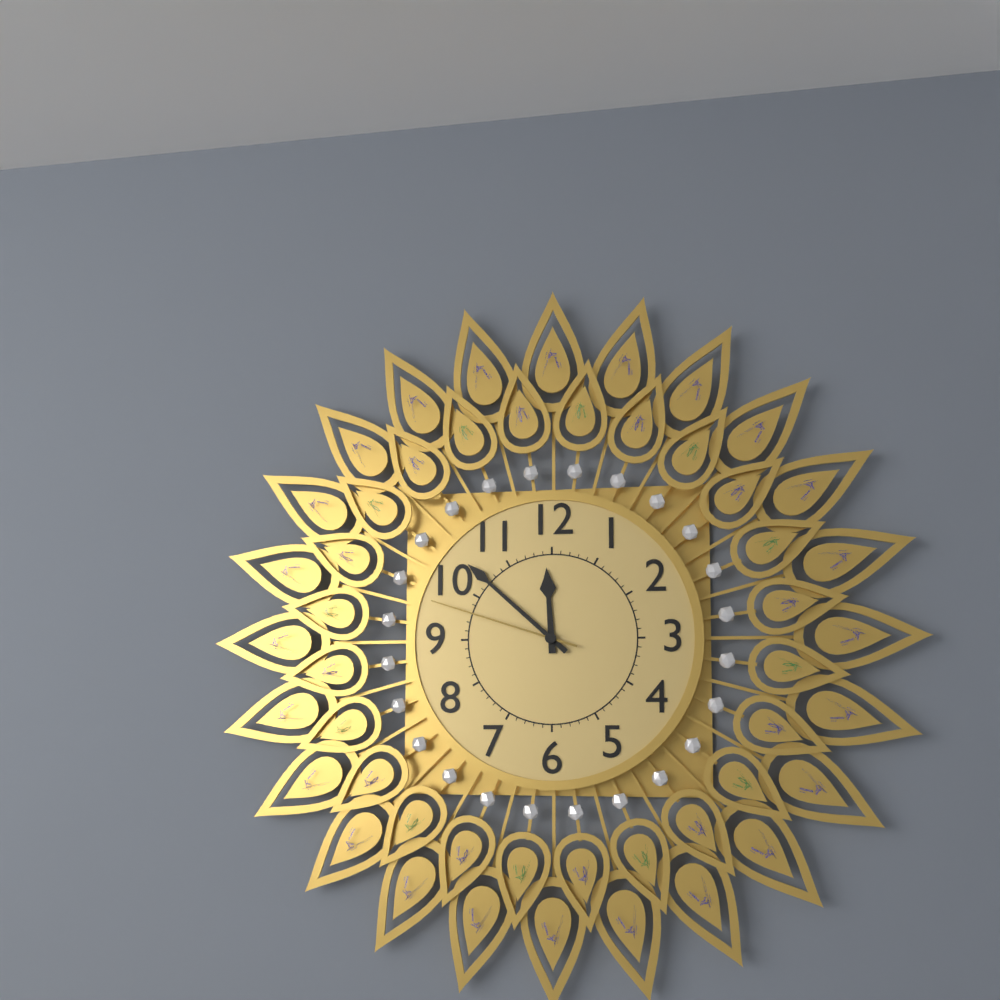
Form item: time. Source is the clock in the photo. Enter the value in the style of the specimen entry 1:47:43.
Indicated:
11:52:48
